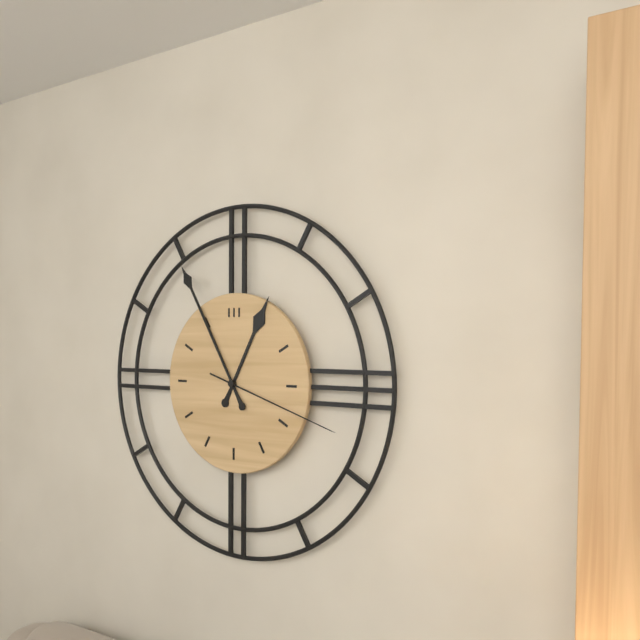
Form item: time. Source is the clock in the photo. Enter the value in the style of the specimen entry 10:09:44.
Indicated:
12:55:18
